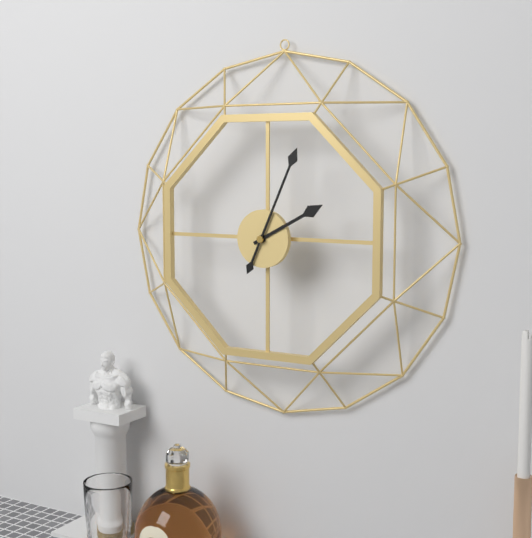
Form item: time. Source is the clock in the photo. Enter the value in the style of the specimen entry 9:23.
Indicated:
2:04
